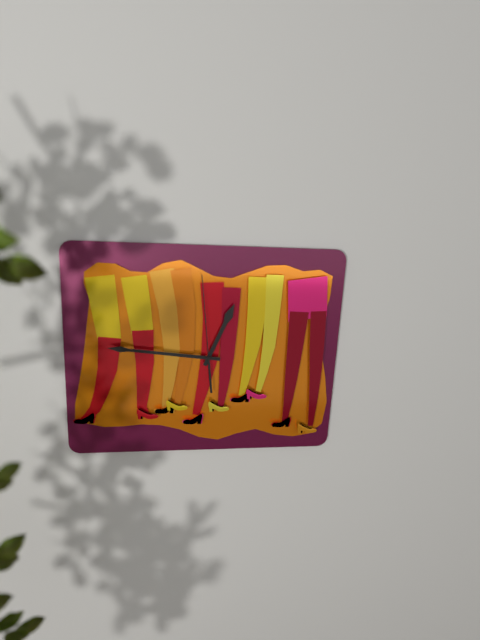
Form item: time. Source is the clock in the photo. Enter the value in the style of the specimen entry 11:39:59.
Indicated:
12:46:59
